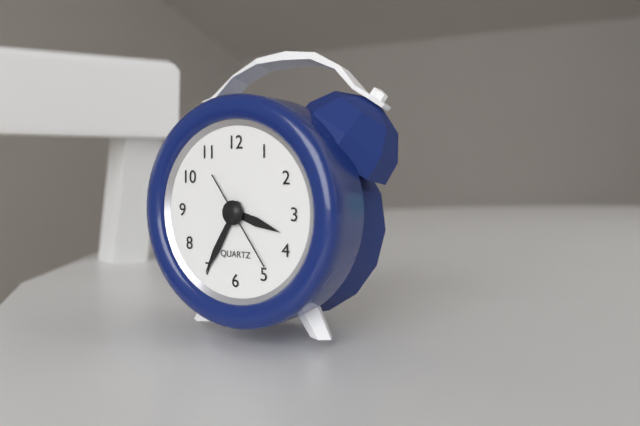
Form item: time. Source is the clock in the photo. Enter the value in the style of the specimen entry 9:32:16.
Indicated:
3:35:24
